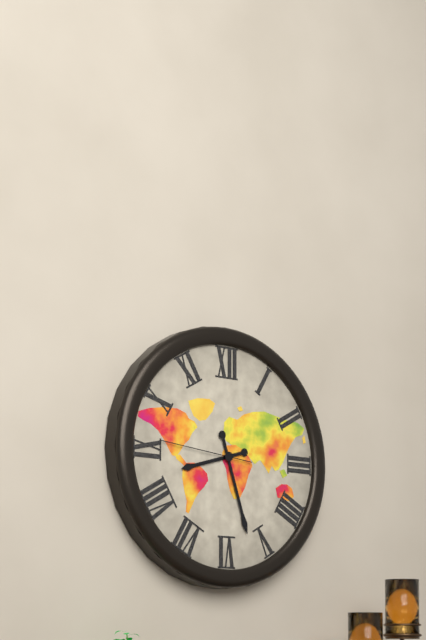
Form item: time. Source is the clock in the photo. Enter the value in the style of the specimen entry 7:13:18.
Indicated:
8:27:46
